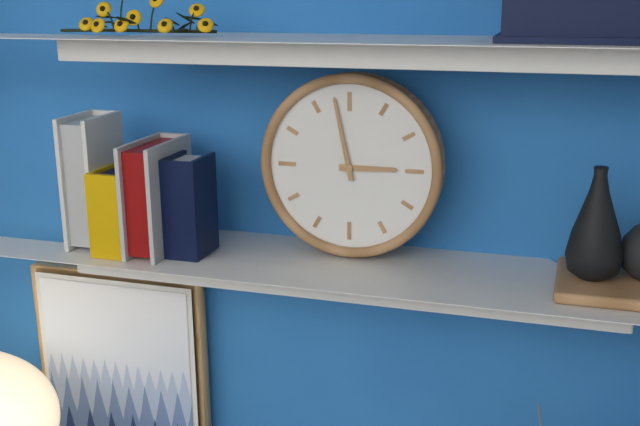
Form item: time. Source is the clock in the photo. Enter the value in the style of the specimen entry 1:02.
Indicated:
2:58
